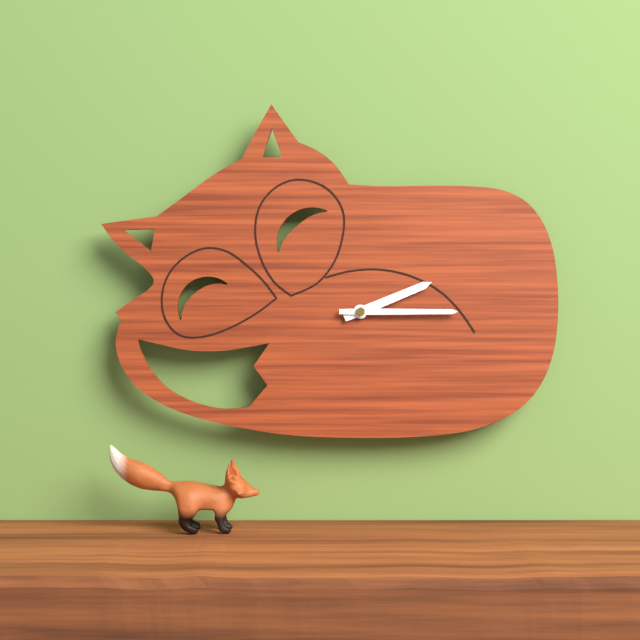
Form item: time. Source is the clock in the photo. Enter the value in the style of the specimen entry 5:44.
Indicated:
2:15
